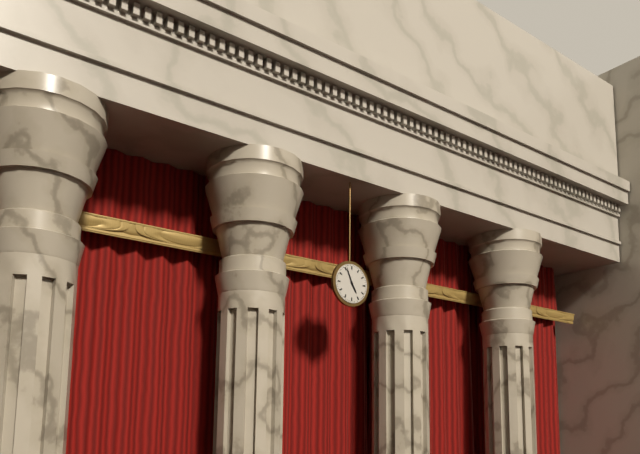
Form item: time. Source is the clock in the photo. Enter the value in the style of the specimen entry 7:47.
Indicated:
4:56
